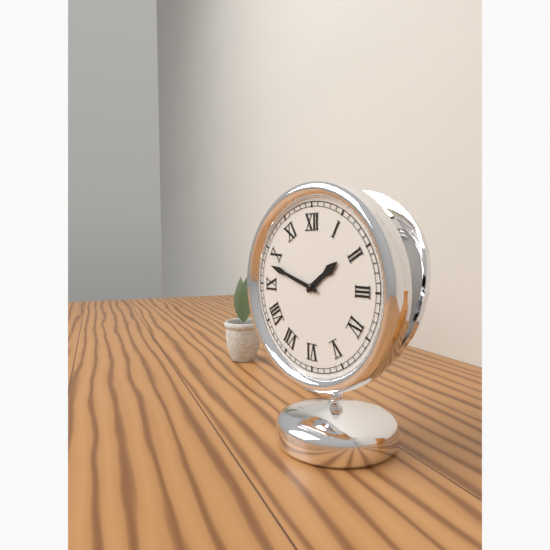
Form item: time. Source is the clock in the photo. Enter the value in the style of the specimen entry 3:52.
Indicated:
1:48
